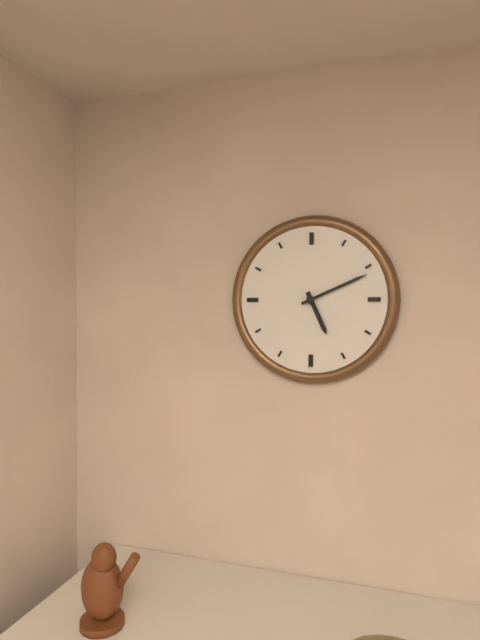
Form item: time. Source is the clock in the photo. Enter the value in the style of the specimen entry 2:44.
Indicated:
5:11
